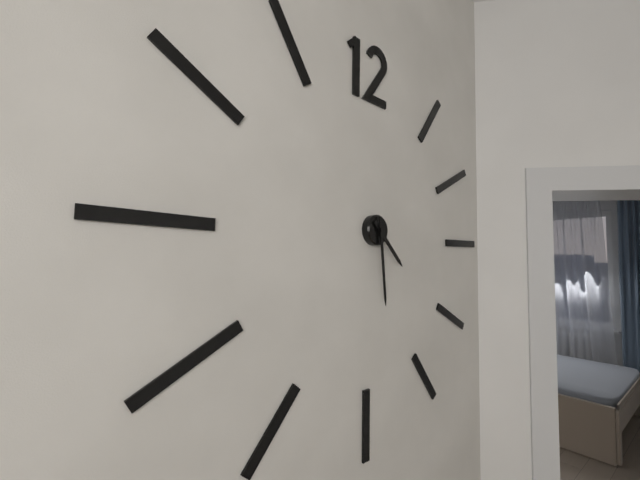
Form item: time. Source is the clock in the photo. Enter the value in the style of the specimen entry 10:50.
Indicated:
4:29
